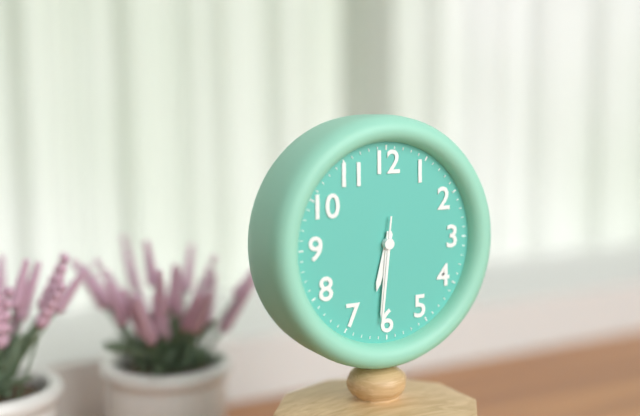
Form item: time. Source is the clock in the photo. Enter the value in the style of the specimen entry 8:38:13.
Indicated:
6:31:31
